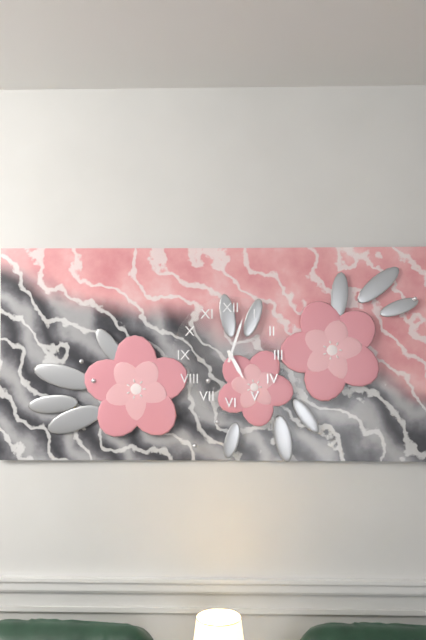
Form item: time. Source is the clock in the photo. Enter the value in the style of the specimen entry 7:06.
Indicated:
5:03
